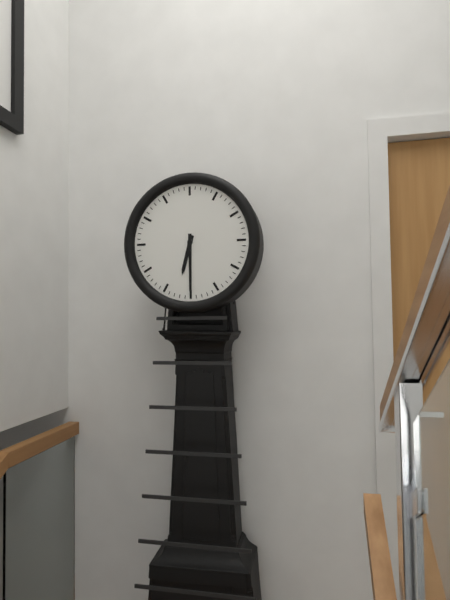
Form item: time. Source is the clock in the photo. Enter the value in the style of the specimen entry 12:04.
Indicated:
6:30
